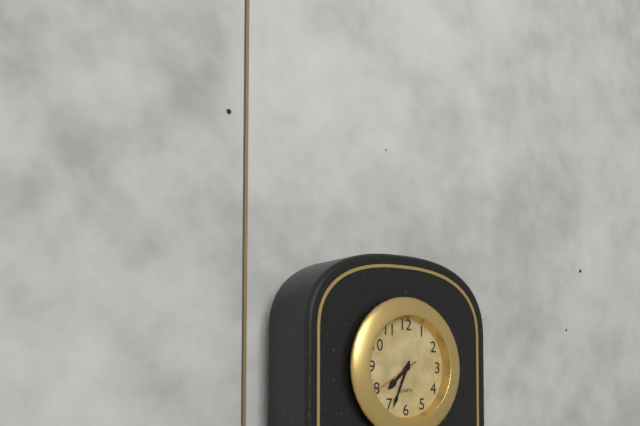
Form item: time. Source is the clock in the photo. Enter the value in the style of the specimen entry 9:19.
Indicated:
7:34
